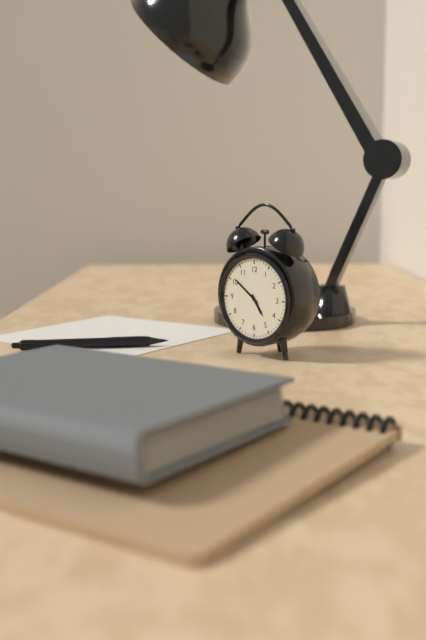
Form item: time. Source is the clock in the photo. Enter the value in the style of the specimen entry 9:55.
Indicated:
4:51
